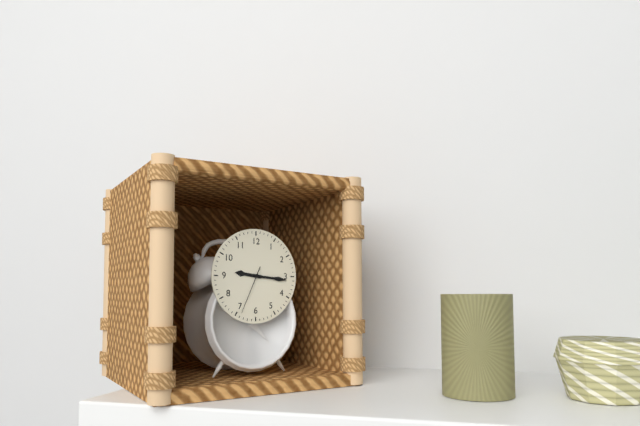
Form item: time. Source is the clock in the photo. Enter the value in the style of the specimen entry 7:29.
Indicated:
9:16
